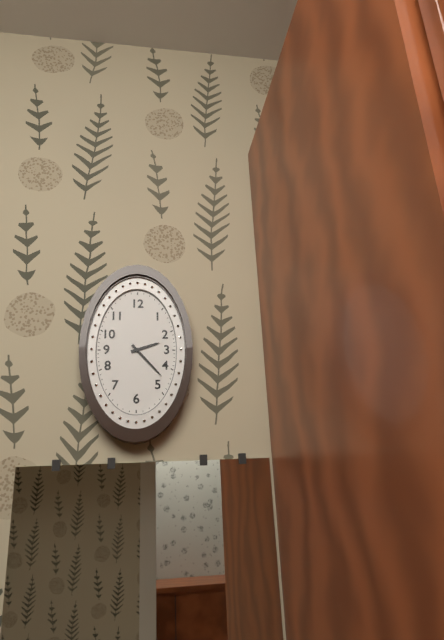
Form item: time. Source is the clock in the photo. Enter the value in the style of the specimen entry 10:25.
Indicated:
2:23
